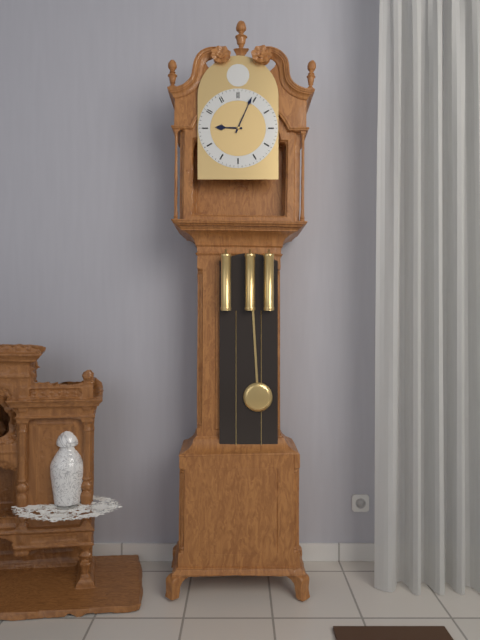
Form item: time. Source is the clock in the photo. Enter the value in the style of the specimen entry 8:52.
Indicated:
9:04
